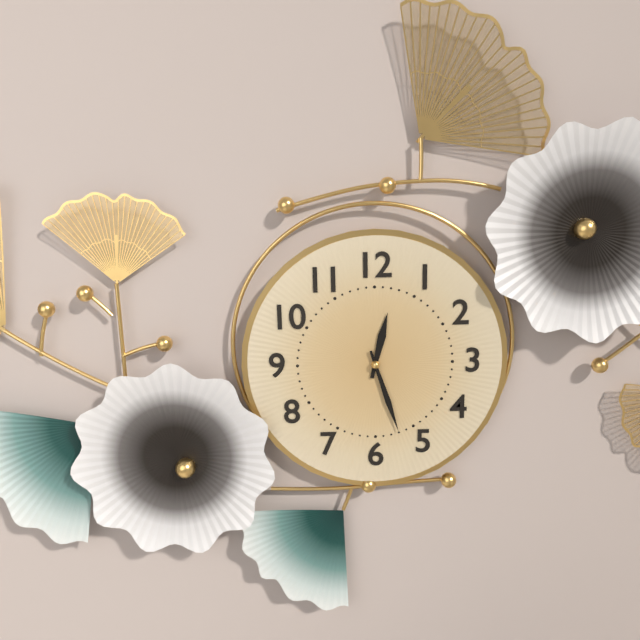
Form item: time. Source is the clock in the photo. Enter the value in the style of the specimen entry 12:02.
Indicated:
12:27
